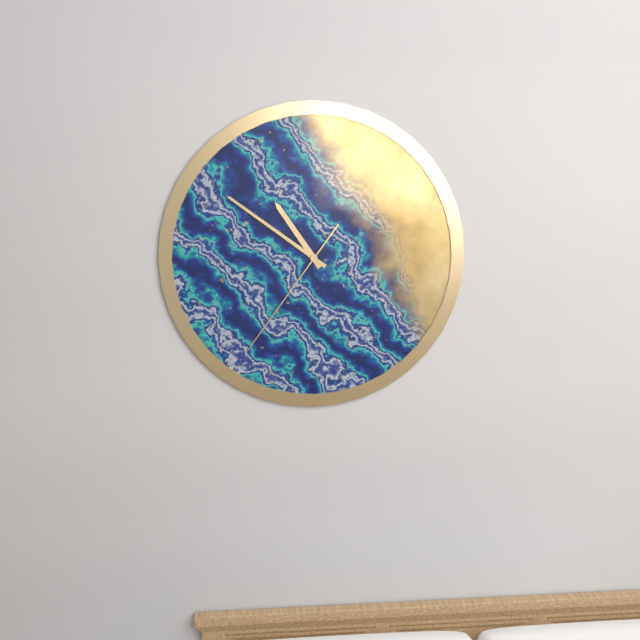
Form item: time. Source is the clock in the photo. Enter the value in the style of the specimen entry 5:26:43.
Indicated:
10:51:36
